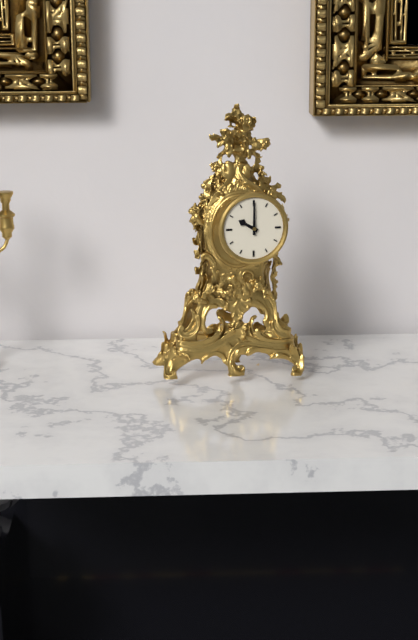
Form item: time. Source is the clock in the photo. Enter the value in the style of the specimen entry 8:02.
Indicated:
10:00
